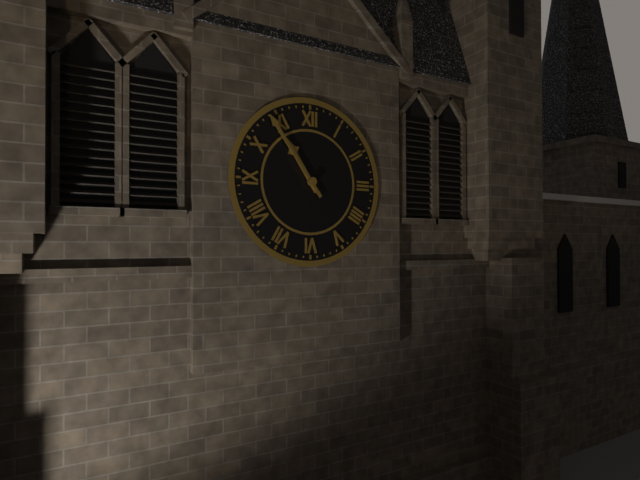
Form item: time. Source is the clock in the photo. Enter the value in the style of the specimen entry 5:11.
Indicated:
10:54
